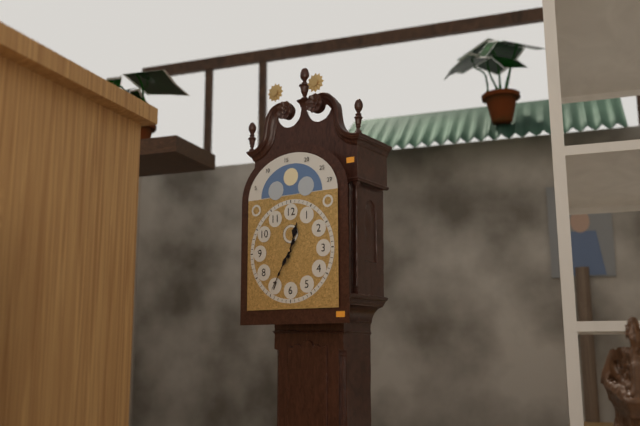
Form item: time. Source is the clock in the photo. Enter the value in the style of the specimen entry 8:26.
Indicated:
12:35
